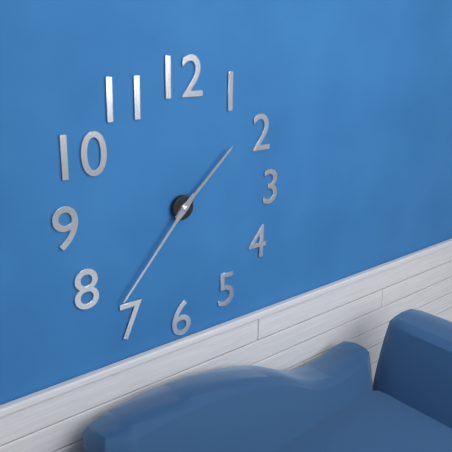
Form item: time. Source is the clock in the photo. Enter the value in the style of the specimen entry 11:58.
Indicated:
1:37
